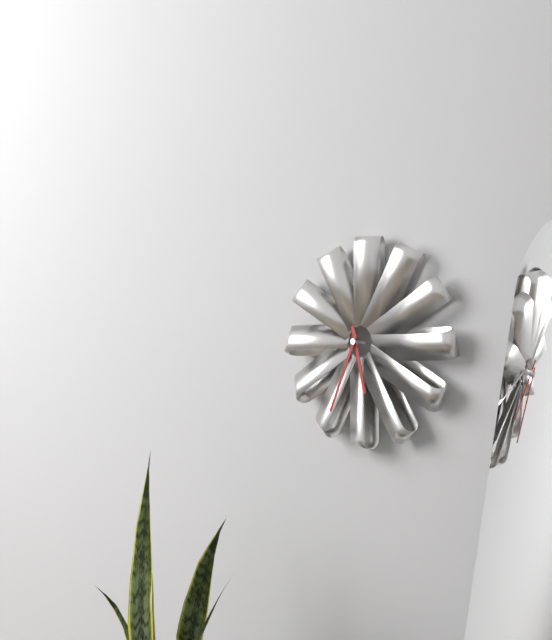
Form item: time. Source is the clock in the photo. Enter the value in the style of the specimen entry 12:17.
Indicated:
5:34
